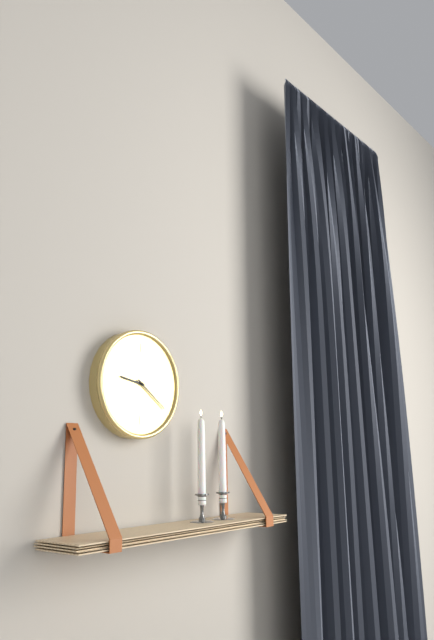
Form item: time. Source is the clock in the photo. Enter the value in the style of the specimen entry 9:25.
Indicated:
9:21
